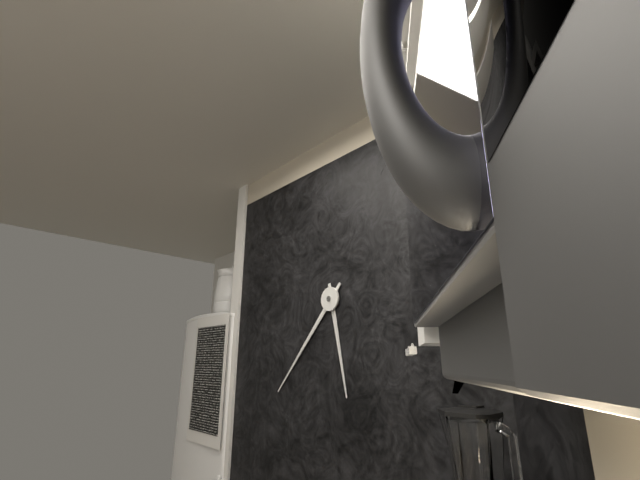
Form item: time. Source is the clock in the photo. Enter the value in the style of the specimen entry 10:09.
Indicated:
5:37
